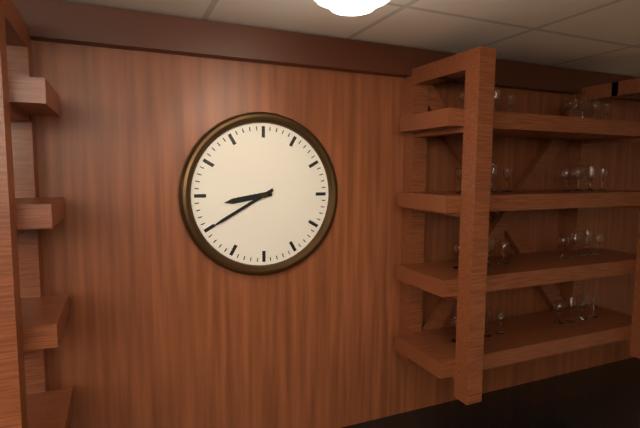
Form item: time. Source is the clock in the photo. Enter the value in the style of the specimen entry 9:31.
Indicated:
8:40
